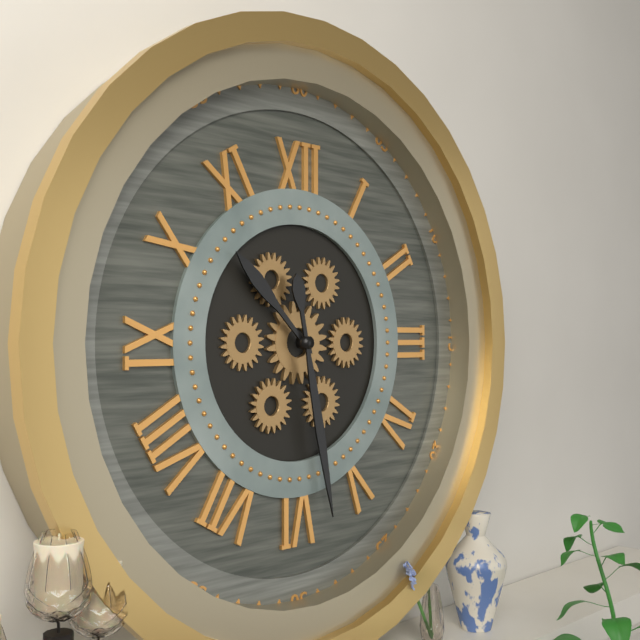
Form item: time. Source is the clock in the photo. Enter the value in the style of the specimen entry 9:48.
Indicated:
10:28
